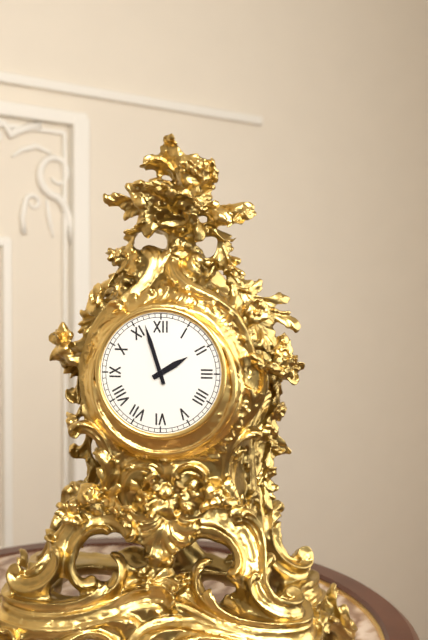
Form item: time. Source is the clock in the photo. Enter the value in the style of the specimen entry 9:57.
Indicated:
1:57
